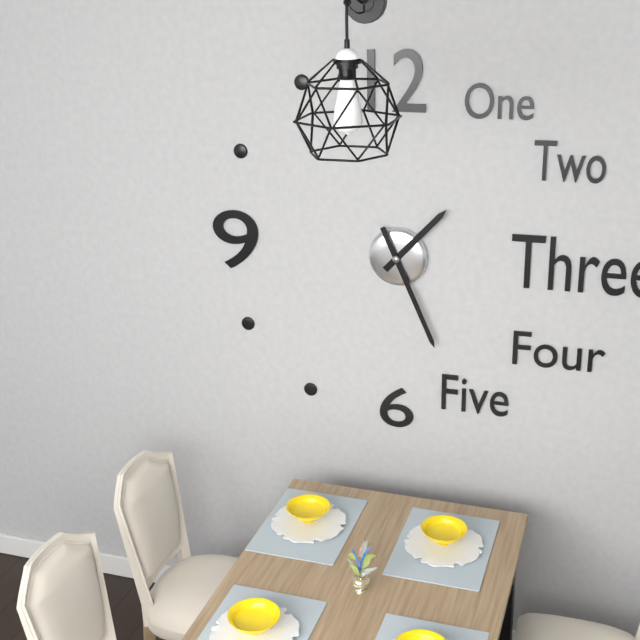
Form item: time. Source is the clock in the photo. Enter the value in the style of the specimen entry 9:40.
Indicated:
1:26
